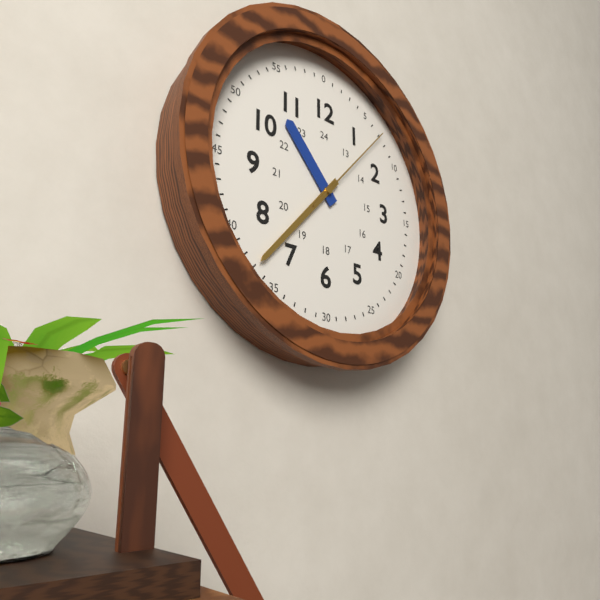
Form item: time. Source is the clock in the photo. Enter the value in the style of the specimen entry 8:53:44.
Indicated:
10:37:07
